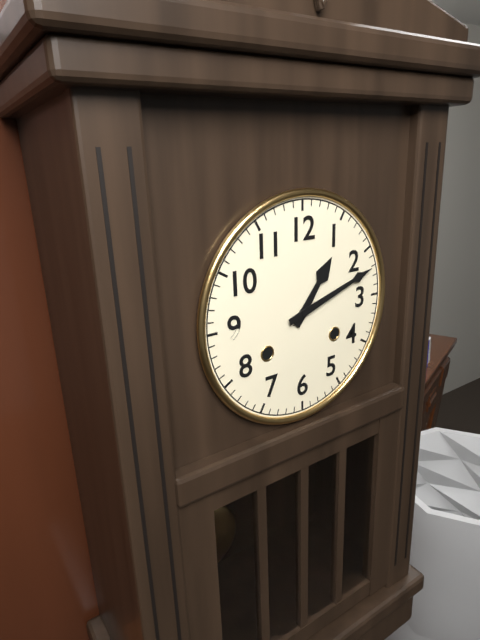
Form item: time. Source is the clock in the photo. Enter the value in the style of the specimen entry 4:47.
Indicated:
1:12
